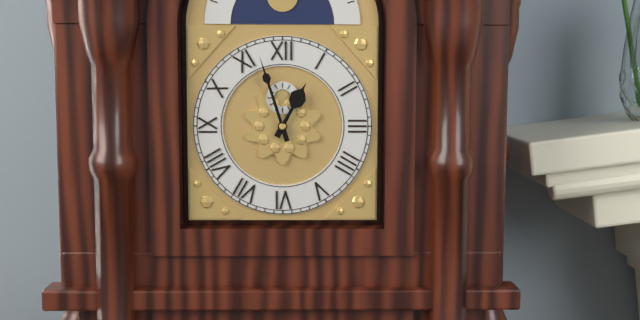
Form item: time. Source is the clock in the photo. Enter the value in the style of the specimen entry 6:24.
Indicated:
12:57
